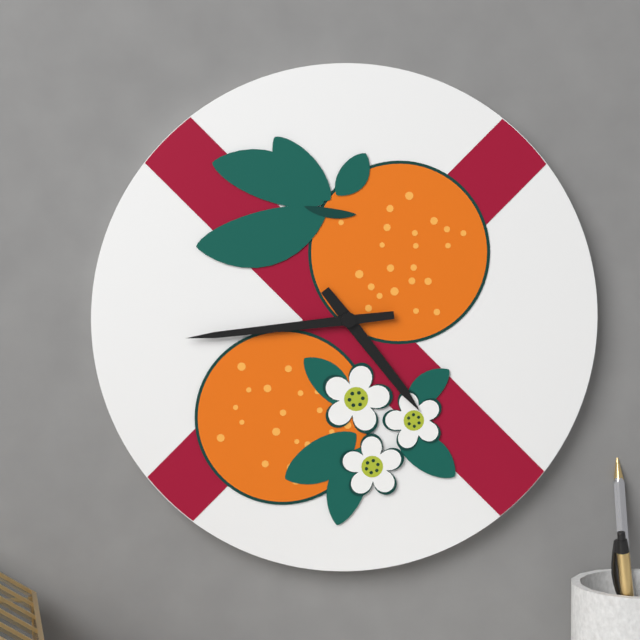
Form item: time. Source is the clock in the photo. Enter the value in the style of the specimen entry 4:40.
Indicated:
4:44
